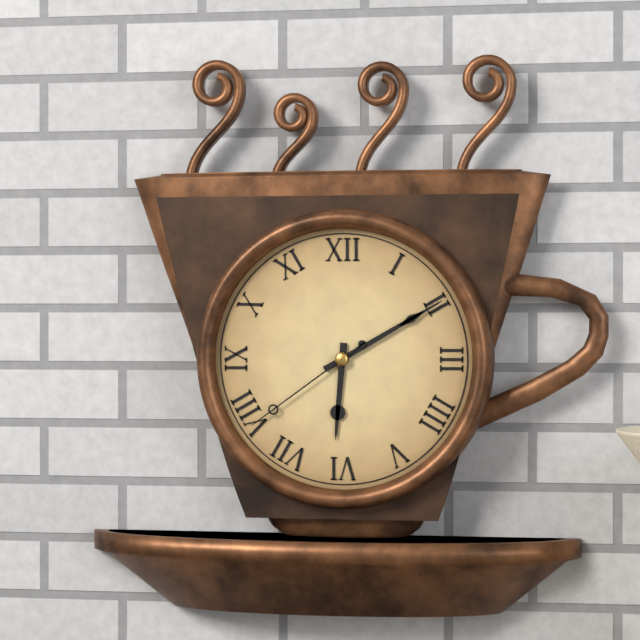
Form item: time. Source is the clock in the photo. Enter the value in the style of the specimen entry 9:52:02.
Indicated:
6:10:39
